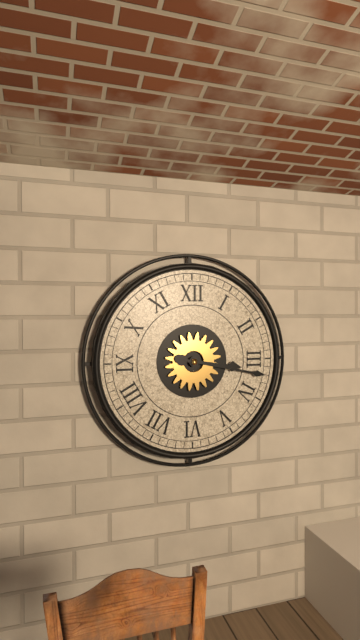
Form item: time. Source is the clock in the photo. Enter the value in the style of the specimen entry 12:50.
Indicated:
3:17
